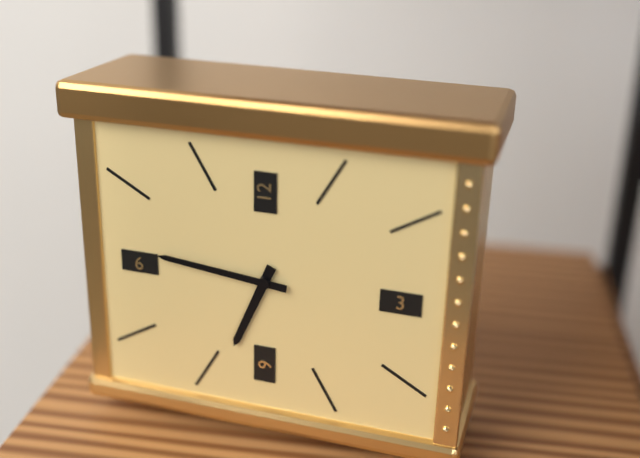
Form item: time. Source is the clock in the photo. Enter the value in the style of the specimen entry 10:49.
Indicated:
6:46
